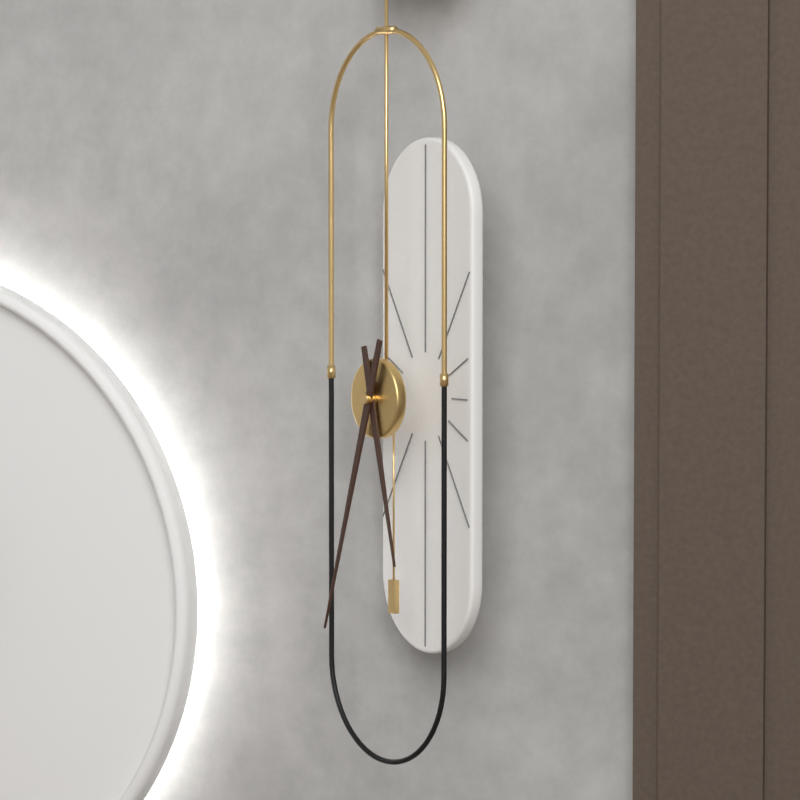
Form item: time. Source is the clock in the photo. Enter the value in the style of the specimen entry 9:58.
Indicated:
5:33
